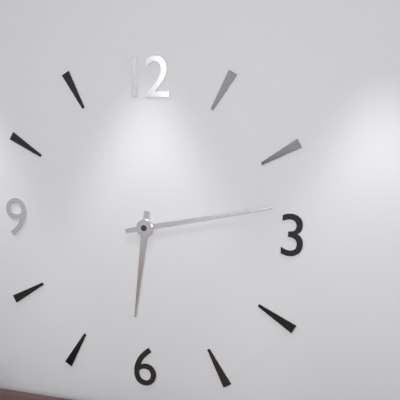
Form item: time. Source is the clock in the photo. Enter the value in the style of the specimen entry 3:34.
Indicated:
6:13
